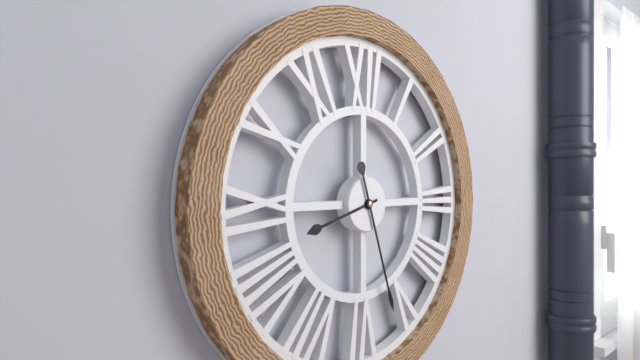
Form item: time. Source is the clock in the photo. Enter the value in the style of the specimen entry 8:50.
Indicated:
8:27
